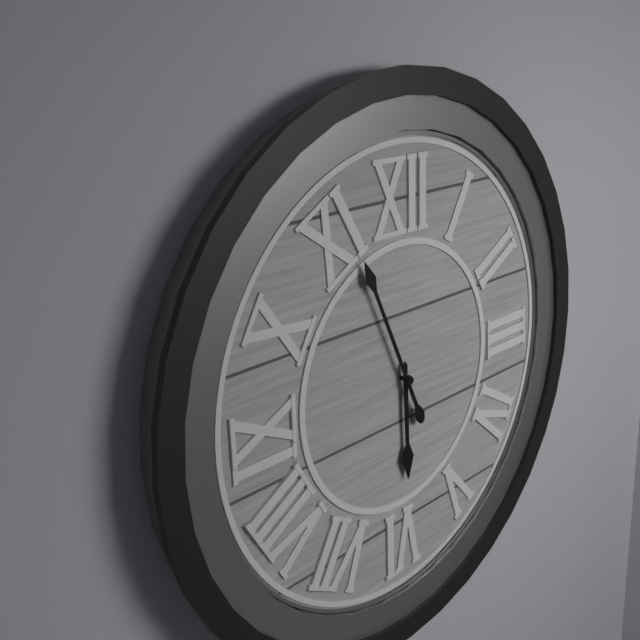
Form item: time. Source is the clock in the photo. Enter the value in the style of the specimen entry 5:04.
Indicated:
5:56
